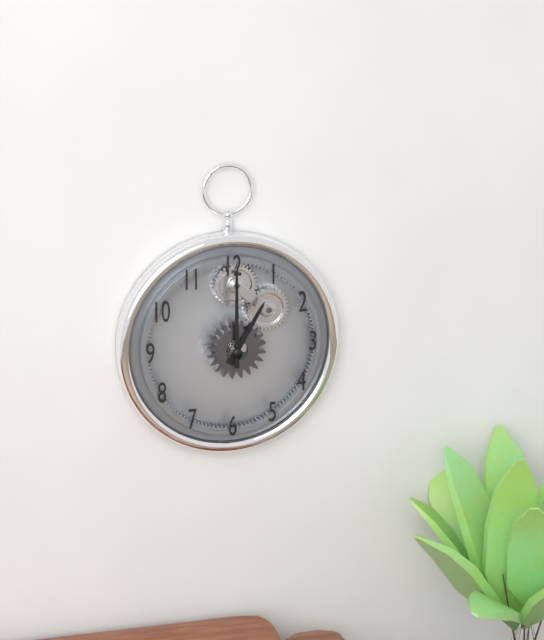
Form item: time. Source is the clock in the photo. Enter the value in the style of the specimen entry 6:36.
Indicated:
1:00
